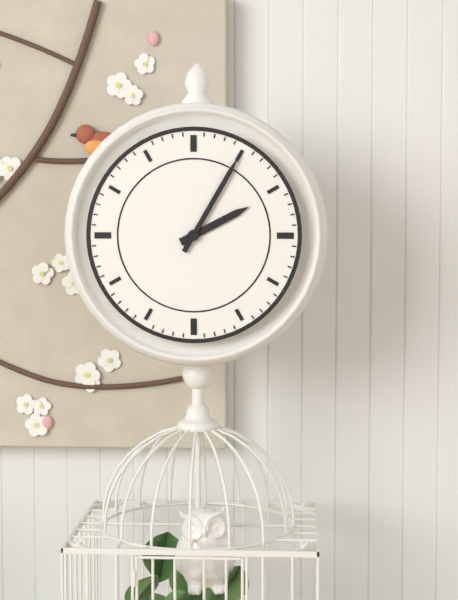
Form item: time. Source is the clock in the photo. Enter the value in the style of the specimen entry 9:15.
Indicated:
2:05
